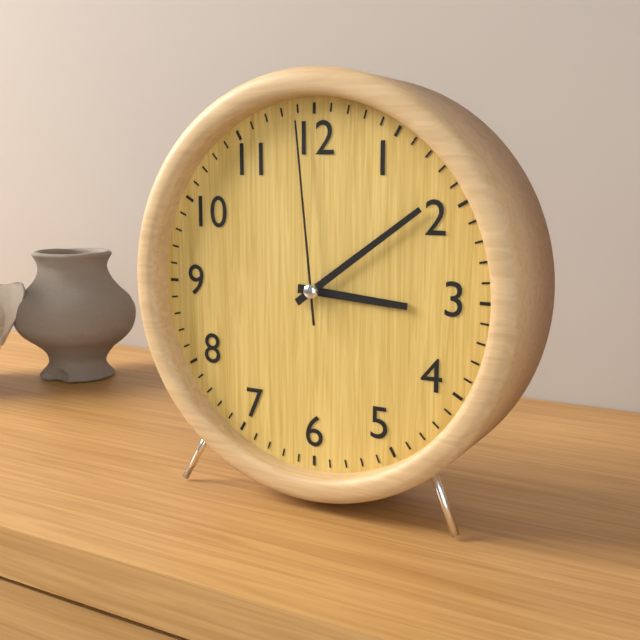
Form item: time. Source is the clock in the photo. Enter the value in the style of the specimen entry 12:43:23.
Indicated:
3:09:59
